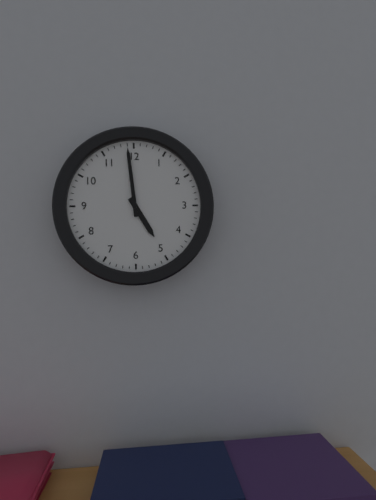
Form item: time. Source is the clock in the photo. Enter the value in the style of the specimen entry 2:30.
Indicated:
4:59
